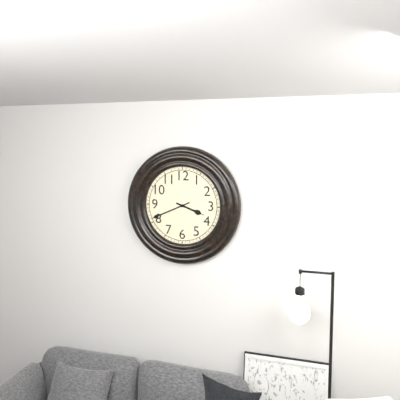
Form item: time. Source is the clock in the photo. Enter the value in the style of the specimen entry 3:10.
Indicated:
3:41
